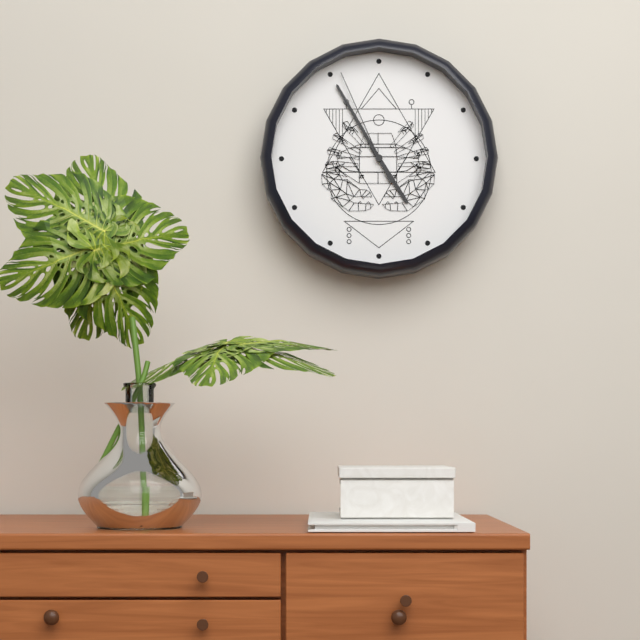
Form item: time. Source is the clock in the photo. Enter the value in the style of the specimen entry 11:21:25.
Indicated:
4:55:56
